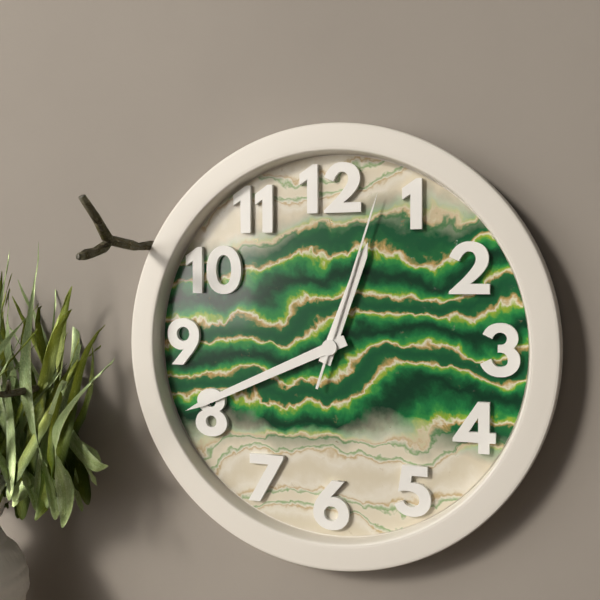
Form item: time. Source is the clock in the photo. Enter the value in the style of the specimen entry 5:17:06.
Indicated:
12:41:03
